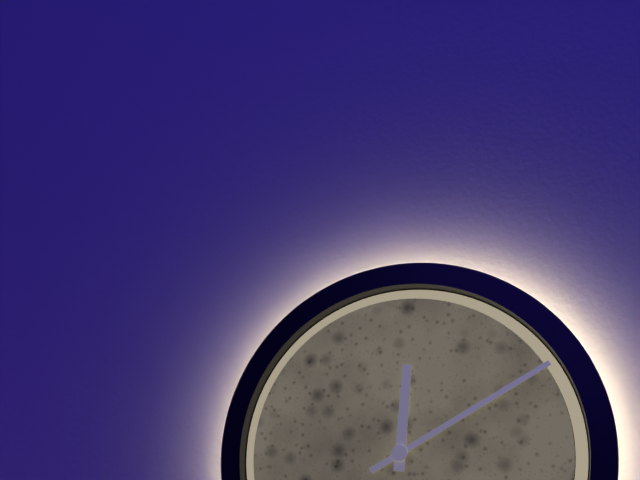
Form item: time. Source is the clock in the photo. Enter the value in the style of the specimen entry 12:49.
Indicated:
12:10
